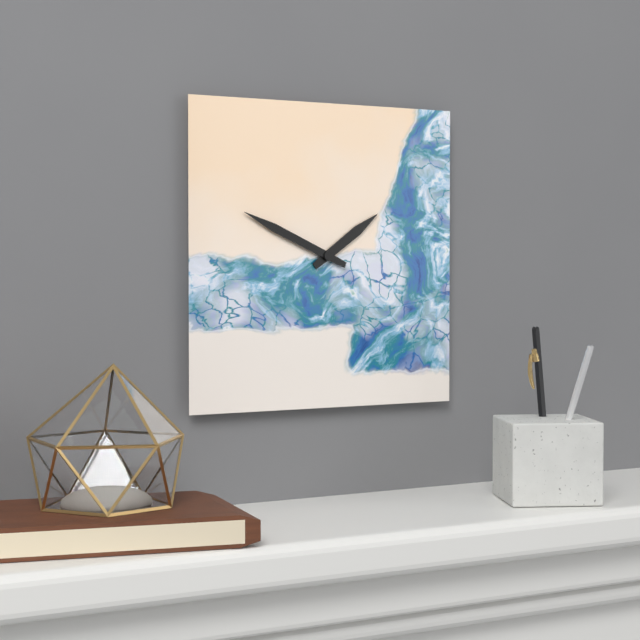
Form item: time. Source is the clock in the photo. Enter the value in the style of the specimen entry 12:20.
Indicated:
1:49
